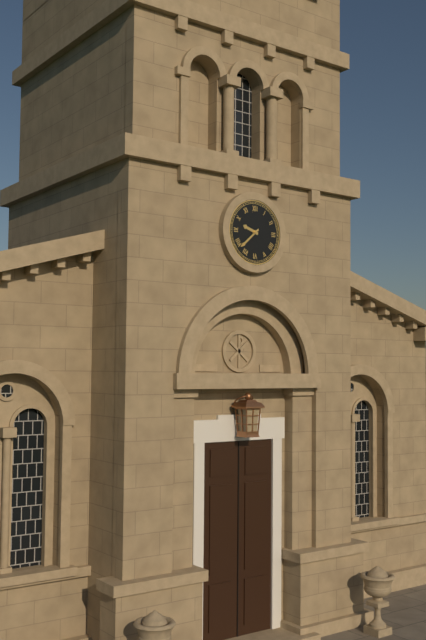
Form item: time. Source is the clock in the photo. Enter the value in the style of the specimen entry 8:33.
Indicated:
9:38
